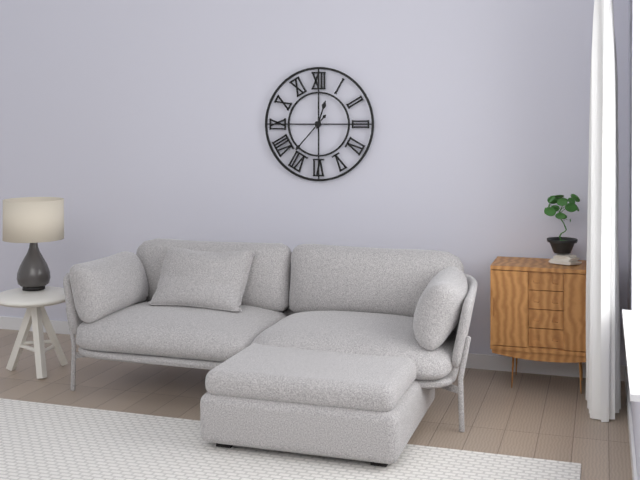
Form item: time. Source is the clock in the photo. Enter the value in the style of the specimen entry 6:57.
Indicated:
12:37
